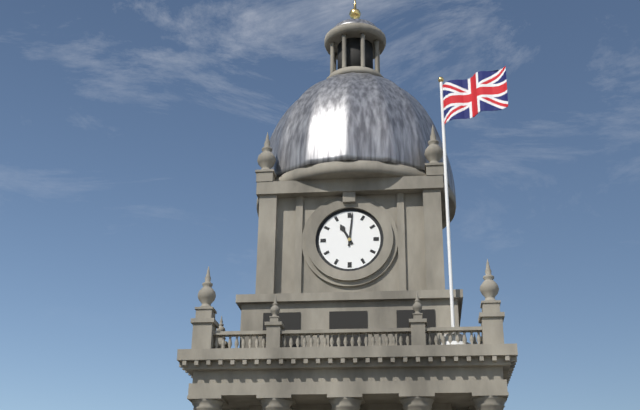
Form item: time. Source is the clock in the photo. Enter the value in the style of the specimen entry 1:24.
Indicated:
11:01
